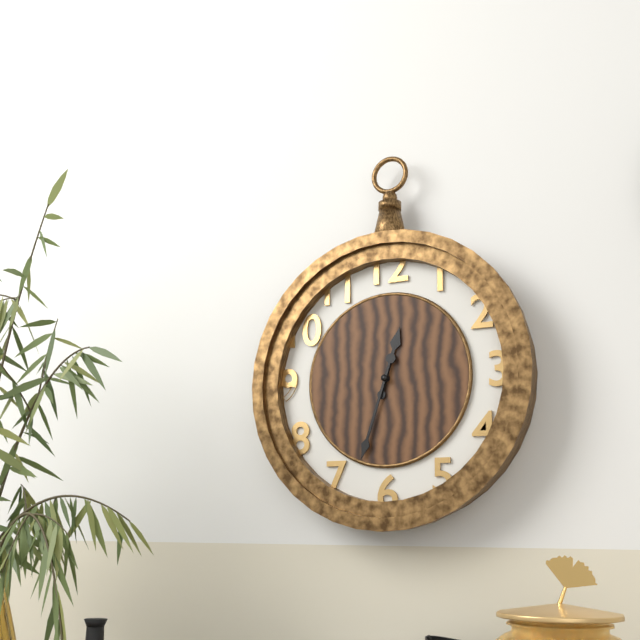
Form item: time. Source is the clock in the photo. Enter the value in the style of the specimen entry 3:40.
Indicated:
12:33
